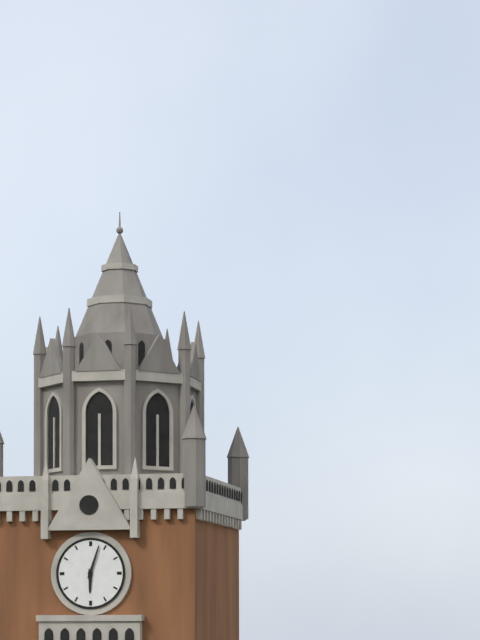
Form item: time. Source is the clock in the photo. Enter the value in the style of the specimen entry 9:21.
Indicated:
6:03
